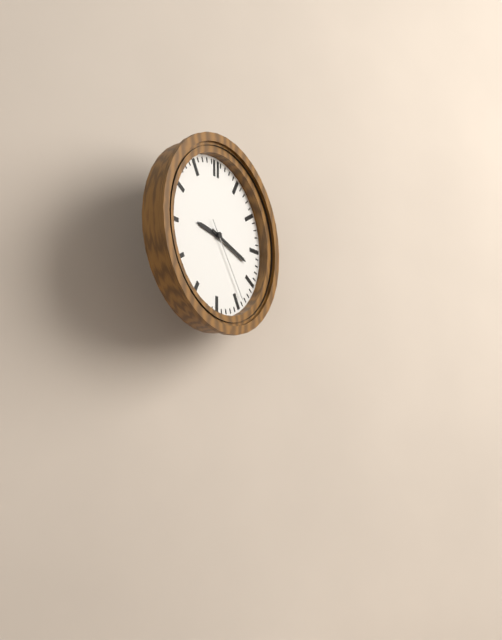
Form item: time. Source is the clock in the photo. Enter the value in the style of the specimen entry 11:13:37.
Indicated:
9:18:24
